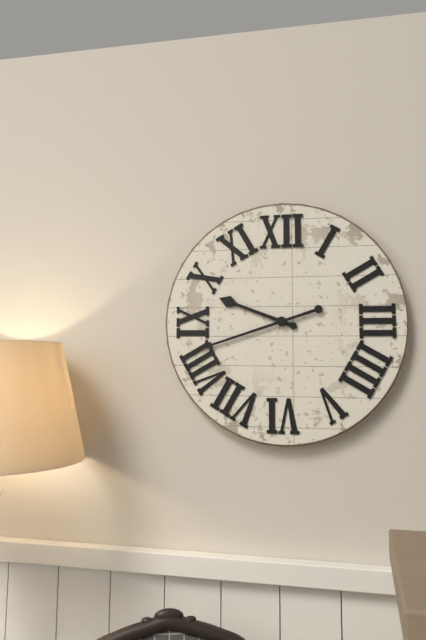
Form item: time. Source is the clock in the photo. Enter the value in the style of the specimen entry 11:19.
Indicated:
9:42
